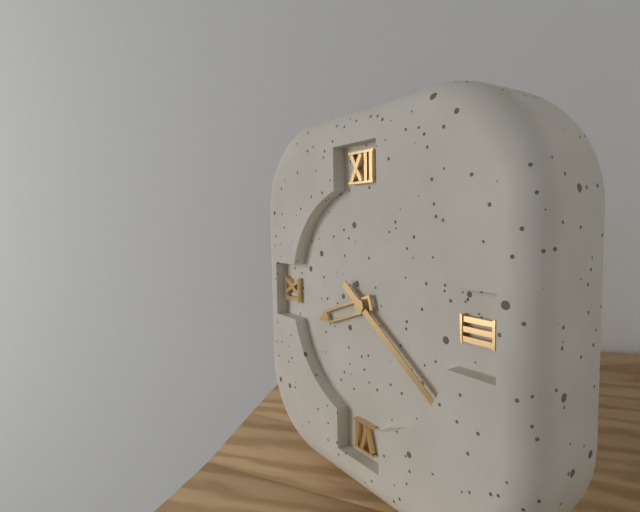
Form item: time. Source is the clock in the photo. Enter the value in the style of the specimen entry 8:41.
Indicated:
8:21
